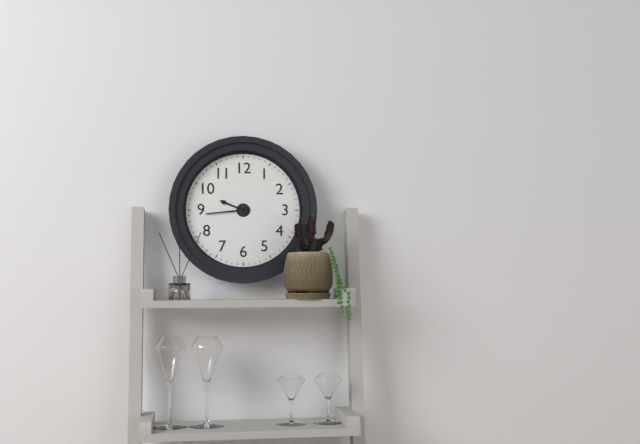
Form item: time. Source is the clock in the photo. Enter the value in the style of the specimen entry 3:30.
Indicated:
9:44
